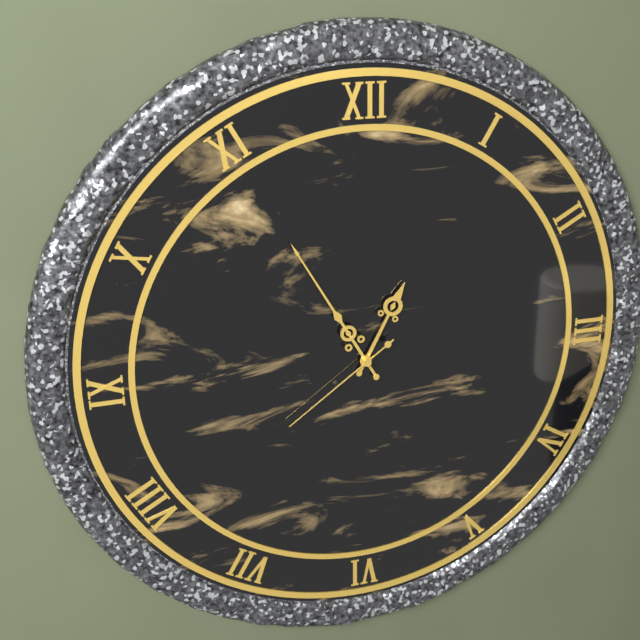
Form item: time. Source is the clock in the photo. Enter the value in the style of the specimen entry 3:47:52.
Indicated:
12:55:39
